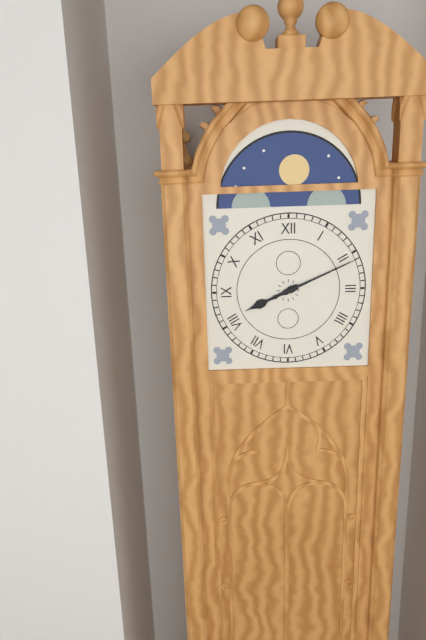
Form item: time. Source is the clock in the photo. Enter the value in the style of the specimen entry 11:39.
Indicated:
8:11
